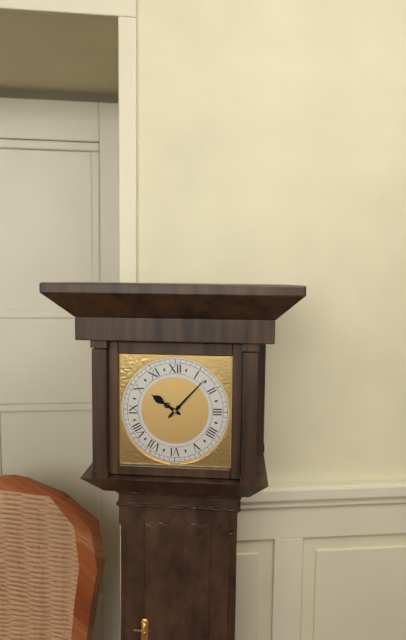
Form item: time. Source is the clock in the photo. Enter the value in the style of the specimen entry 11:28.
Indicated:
10:07
